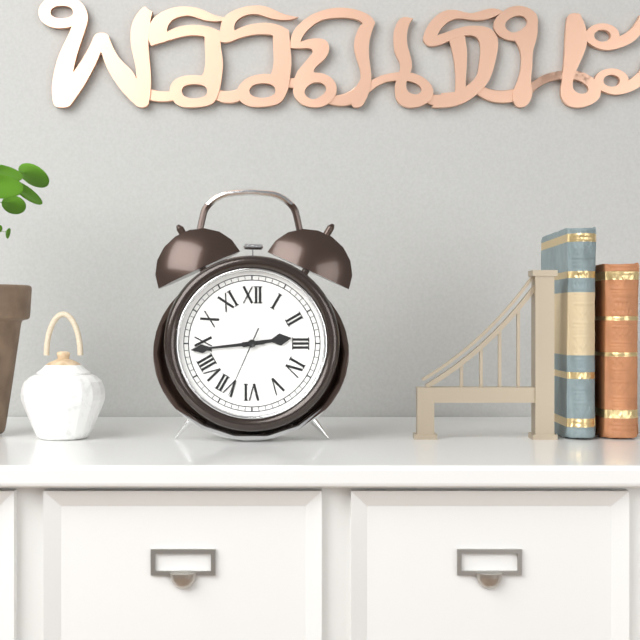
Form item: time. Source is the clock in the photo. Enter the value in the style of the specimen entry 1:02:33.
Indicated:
2:44:34
